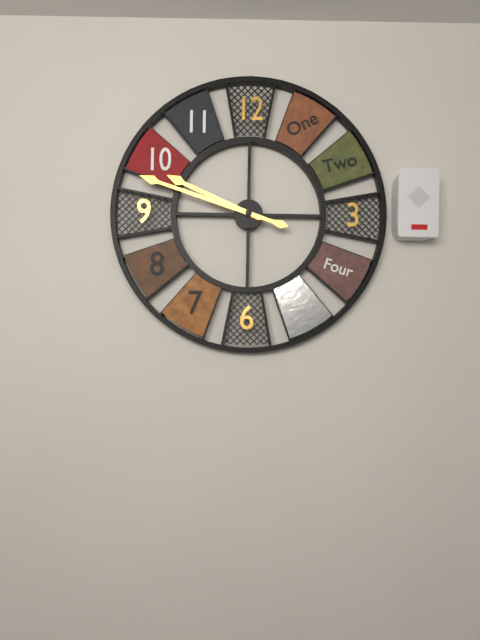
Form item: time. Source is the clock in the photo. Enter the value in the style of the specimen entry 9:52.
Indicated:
9:48
